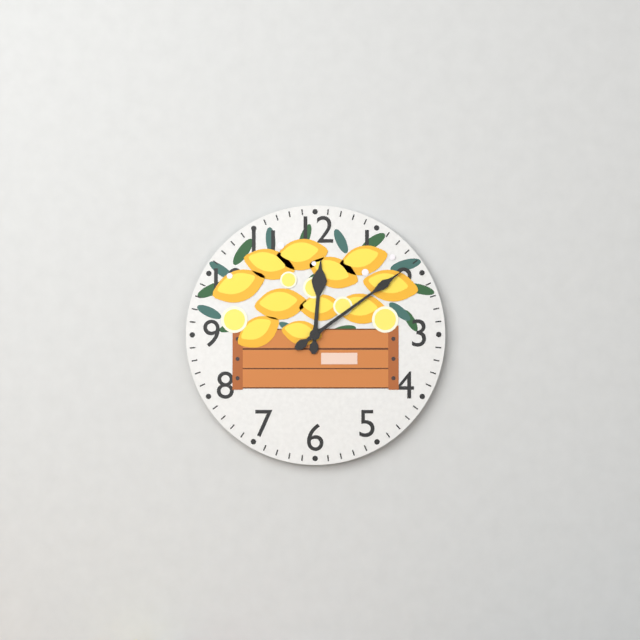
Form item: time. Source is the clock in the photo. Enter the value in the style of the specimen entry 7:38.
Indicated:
12:09
